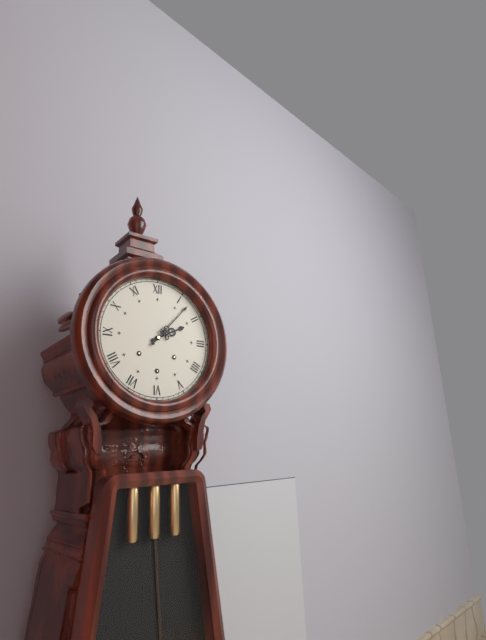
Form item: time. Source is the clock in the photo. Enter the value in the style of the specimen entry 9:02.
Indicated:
2:07
